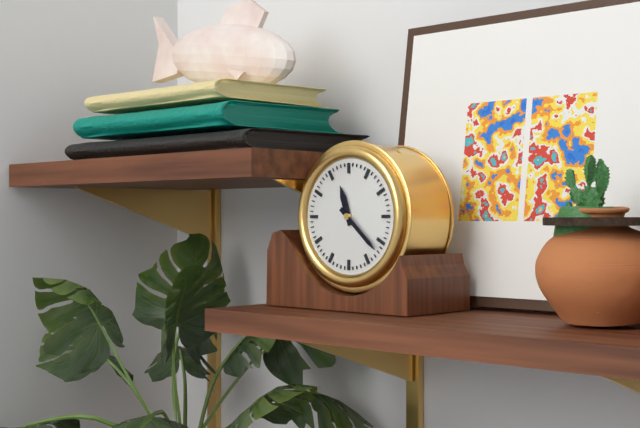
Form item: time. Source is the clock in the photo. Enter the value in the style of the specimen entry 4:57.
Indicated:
11:22
